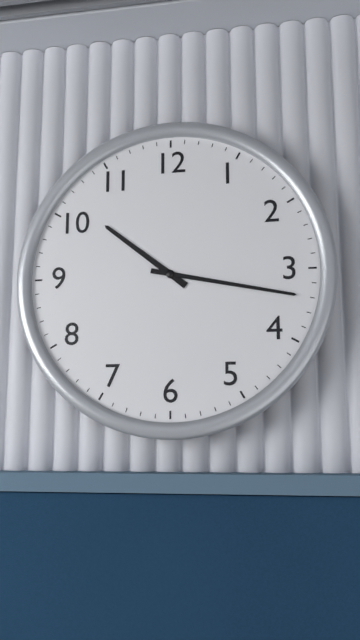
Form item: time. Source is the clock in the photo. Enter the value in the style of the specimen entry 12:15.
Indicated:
10:17
